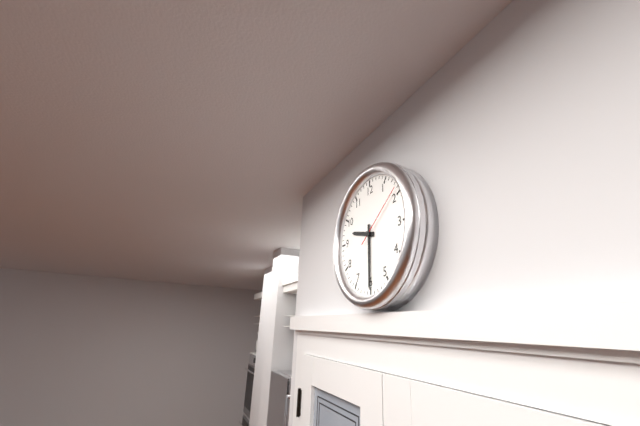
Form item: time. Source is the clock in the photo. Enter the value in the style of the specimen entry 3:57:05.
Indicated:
9:30:09
